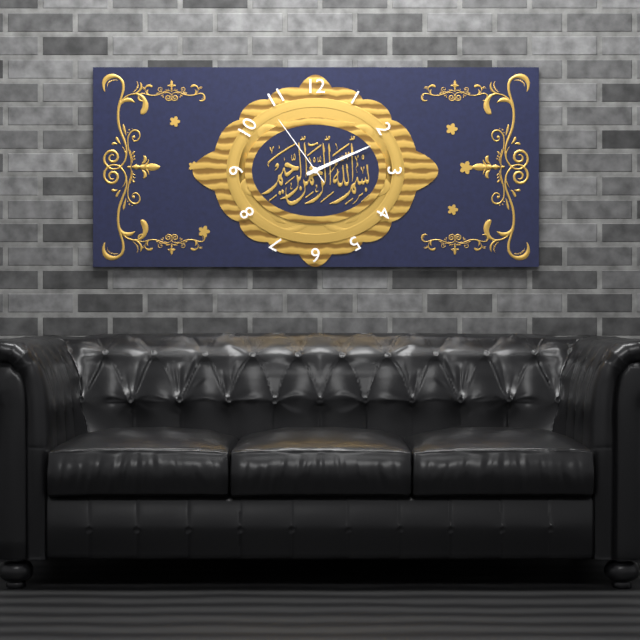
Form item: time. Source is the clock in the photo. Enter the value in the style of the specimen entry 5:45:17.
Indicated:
2:11:54
